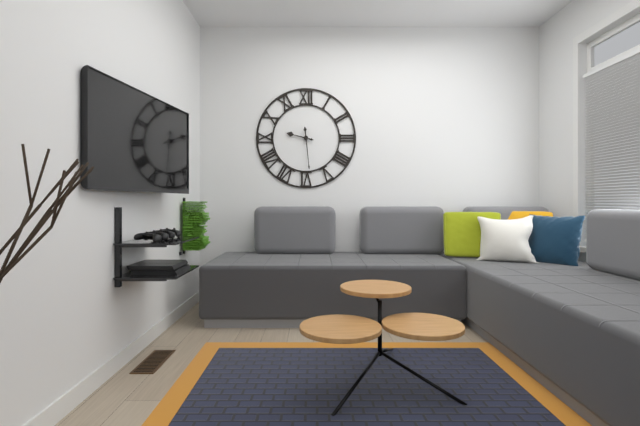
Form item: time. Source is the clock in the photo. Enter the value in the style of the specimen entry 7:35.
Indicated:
9:29
